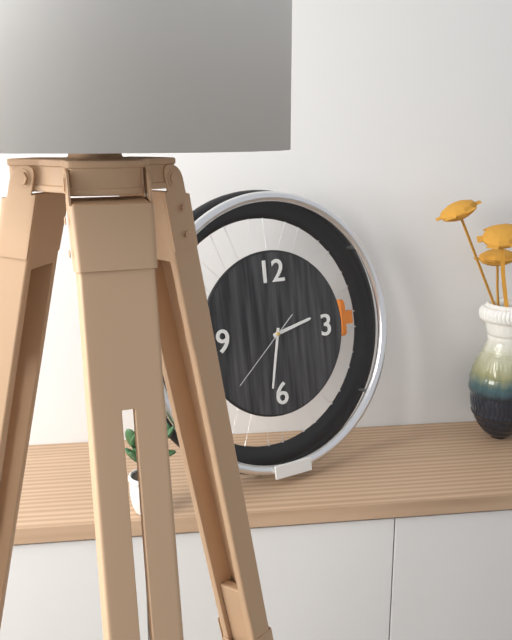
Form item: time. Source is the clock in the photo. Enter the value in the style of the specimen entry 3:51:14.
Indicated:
2:32:38
